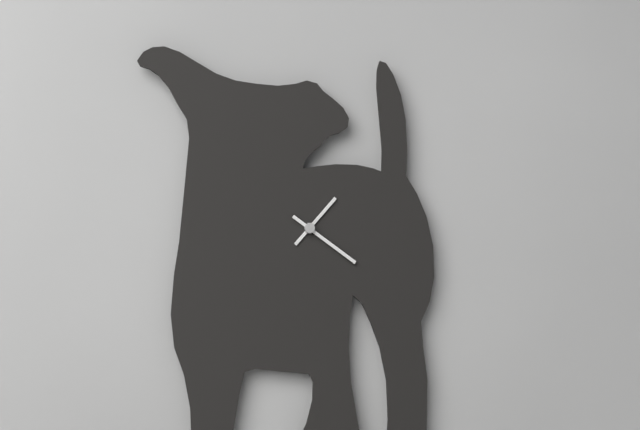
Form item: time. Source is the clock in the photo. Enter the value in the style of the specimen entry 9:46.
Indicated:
1:21
